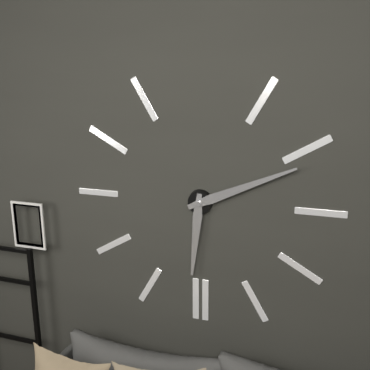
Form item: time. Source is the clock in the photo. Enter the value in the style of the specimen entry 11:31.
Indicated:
6:11
